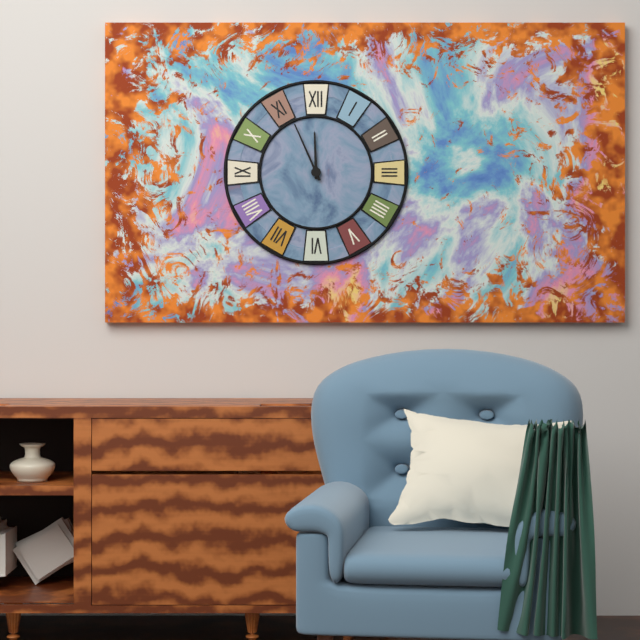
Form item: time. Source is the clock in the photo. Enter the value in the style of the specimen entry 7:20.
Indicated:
11:56
